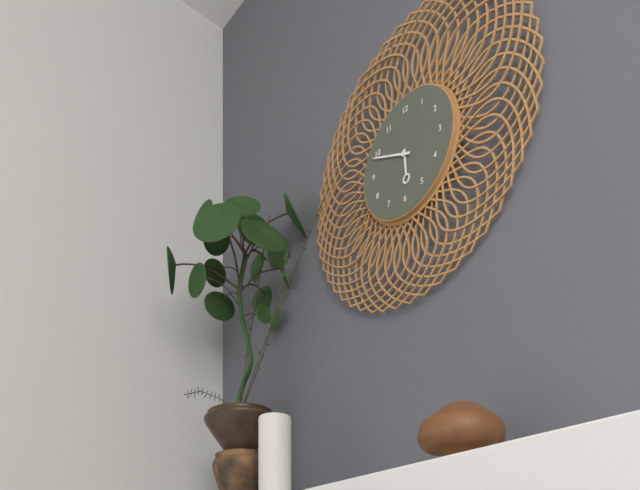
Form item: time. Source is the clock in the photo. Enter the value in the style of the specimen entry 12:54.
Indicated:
5:49
